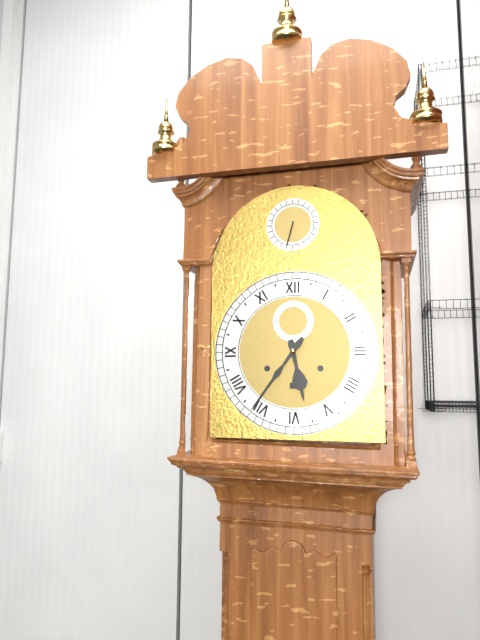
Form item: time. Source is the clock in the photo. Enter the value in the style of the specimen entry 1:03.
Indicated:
5:36
